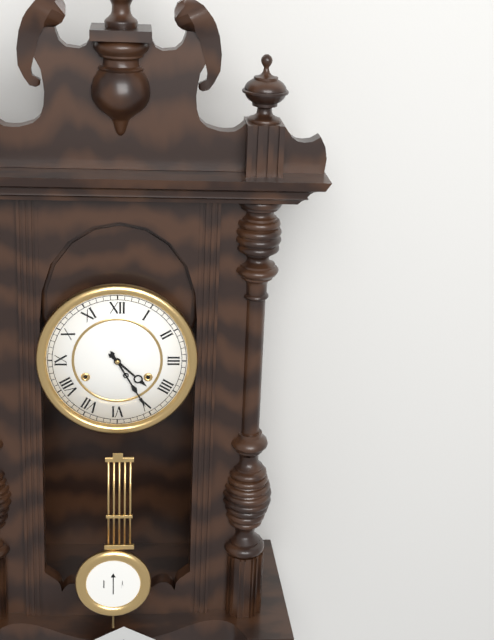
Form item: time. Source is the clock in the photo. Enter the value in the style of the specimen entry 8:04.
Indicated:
4:25
